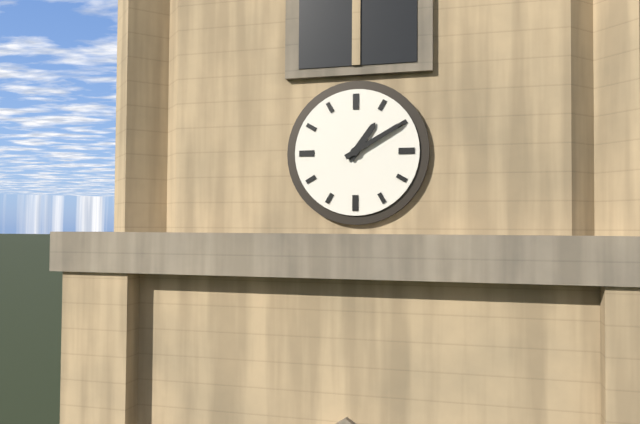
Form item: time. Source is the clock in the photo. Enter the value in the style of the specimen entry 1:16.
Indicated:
1:10
